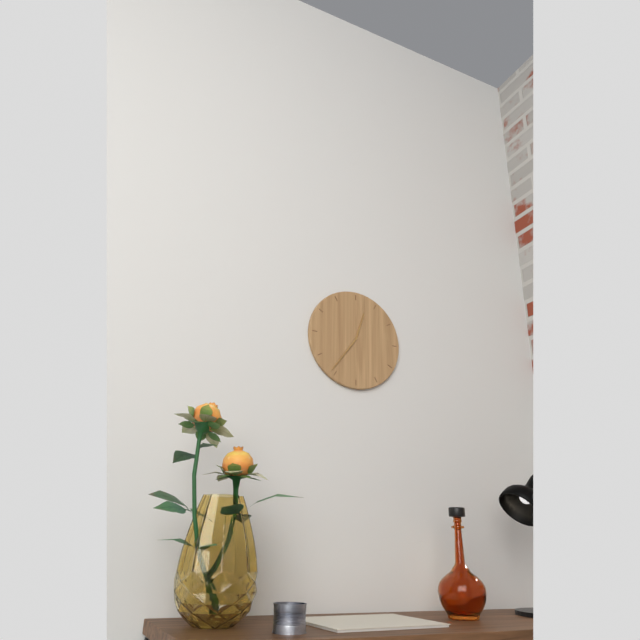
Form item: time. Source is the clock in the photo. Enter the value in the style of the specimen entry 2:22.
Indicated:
12:36
